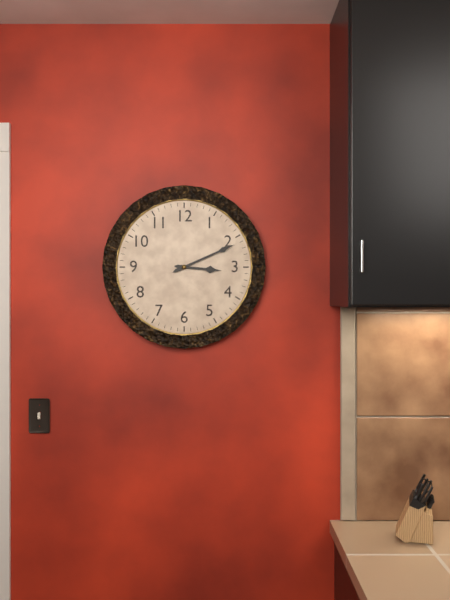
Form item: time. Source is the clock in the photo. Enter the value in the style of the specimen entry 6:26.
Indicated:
3:11
